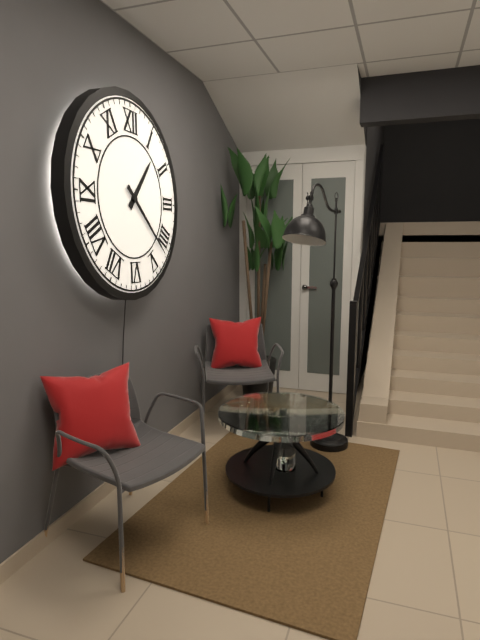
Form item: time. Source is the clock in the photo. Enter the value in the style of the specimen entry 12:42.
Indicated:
1:22
